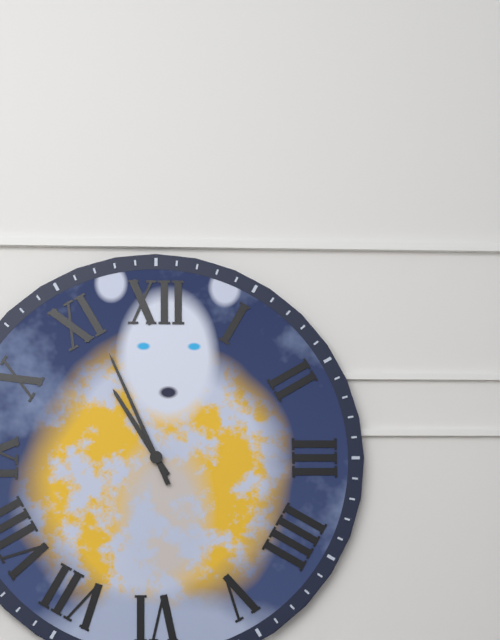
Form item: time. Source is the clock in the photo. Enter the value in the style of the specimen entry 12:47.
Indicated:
10:56
